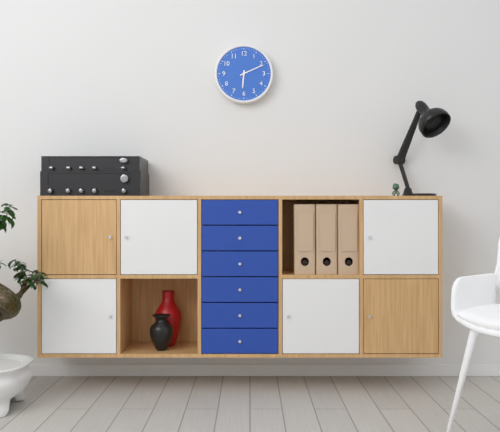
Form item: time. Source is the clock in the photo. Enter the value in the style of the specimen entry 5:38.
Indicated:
6:11
